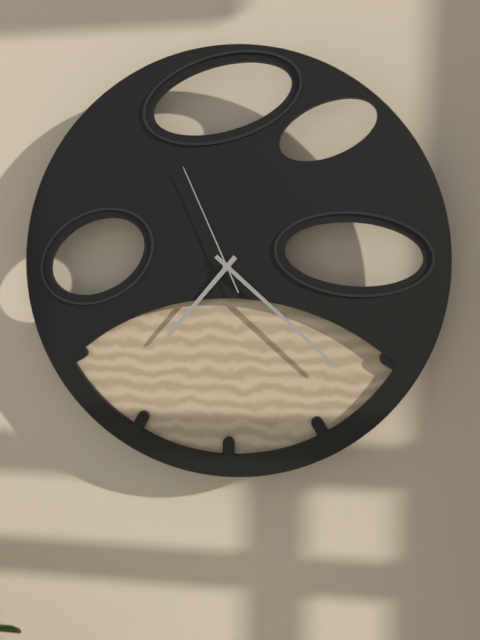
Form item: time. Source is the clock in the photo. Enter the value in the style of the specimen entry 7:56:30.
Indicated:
7:22:56
